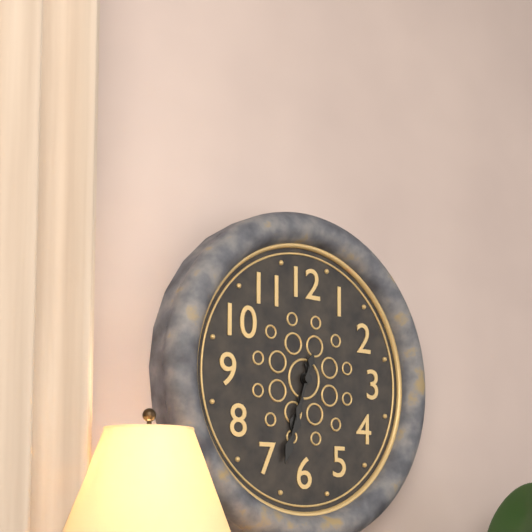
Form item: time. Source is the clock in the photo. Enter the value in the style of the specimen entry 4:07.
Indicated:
6:33
